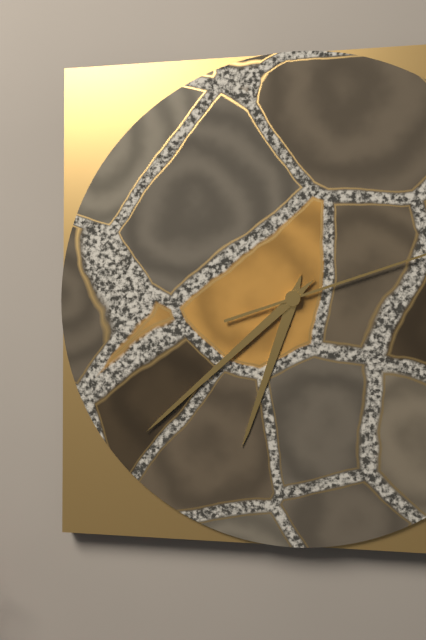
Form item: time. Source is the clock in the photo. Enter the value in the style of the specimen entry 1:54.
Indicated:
6:38
